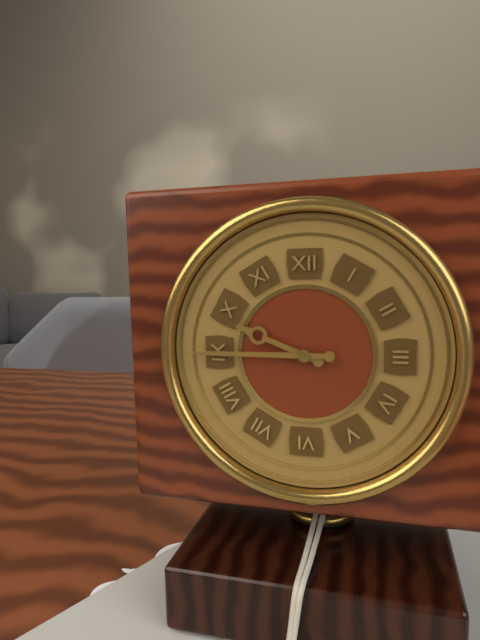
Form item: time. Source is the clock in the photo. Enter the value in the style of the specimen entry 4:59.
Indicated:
9:45
